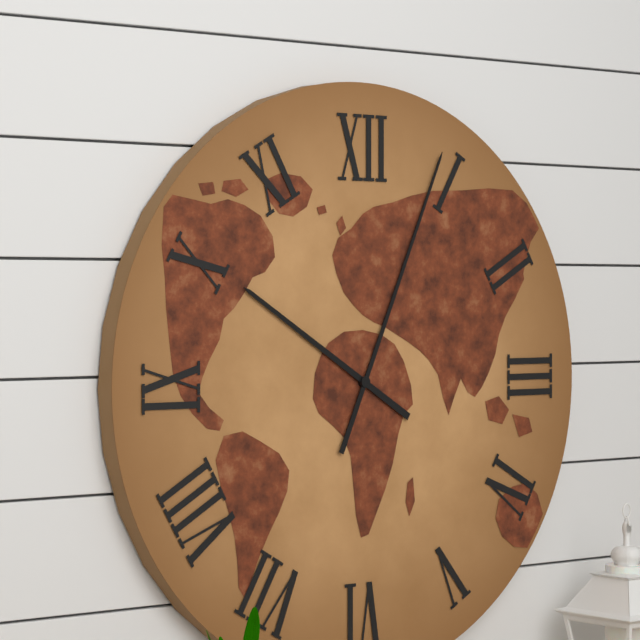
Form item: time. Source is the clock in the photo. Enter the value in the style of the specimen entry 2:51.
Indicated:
10:04
